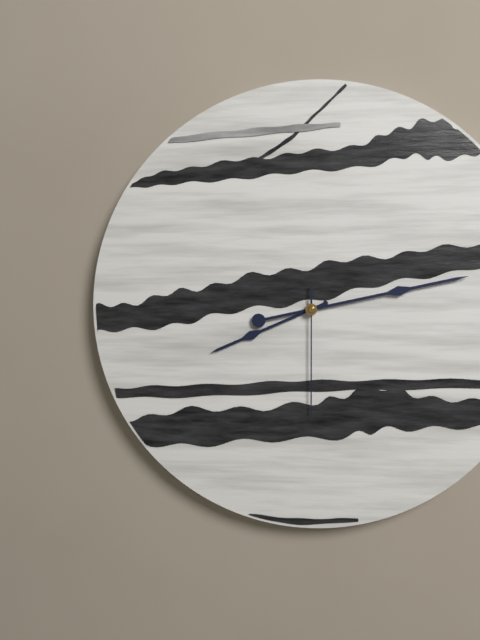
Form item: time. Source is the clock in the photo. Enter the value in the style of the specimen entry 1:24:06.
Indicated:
8:13:30
